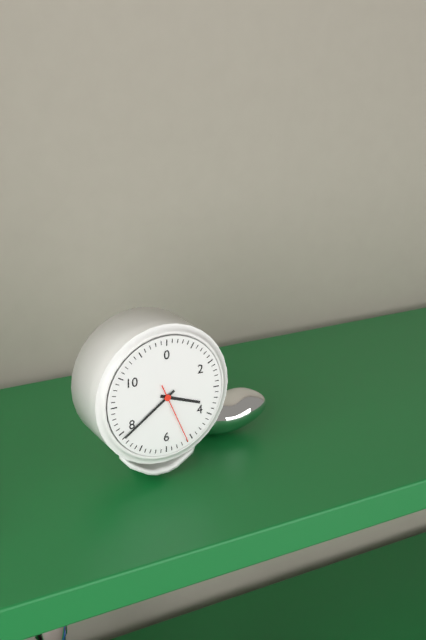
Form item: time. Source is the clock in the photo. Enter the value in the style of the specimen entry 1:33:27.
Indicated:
3:39:26
